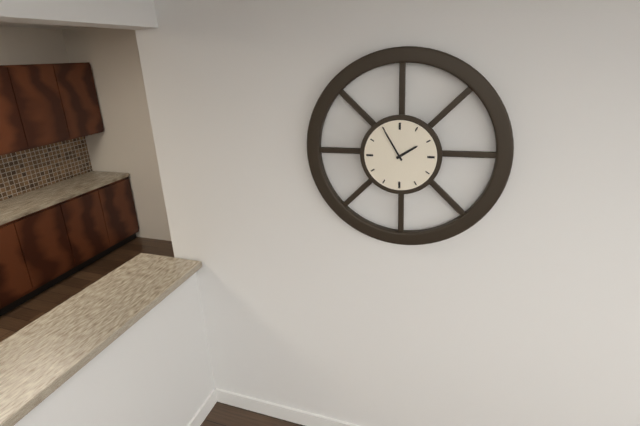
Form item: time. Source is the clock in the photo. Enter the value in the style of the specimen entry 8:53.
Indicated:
1:55
